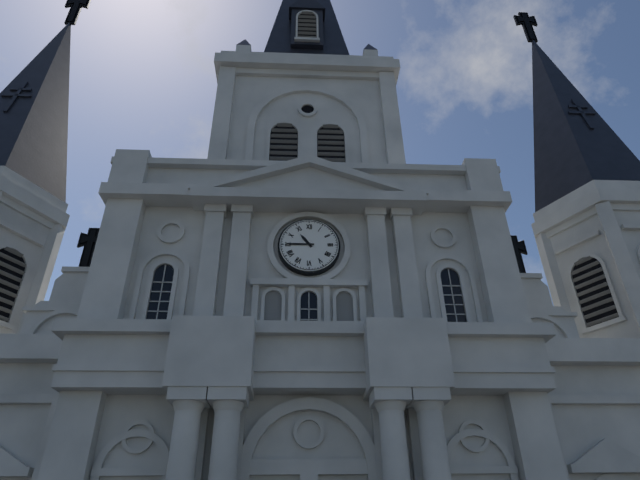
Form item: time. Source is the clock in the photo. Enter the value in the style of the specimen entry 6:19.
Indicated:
10:45
